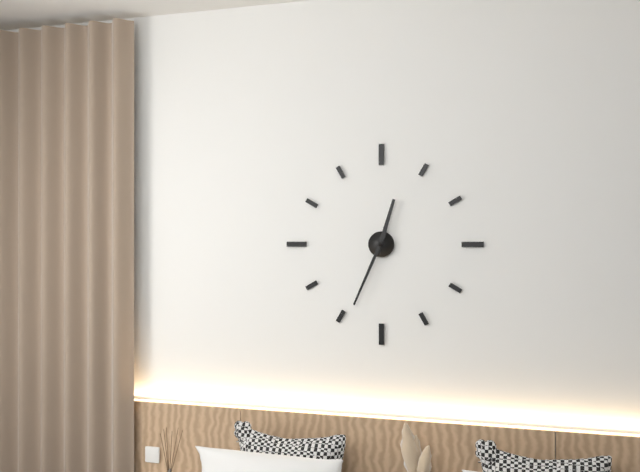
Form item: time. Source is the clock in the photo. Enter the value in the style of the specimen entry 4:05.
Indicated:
12:34
